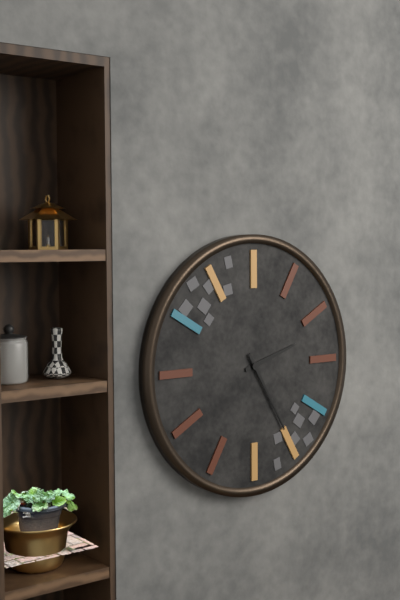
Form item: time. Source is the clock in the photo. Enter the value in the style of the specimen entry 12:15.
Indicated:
2:25
